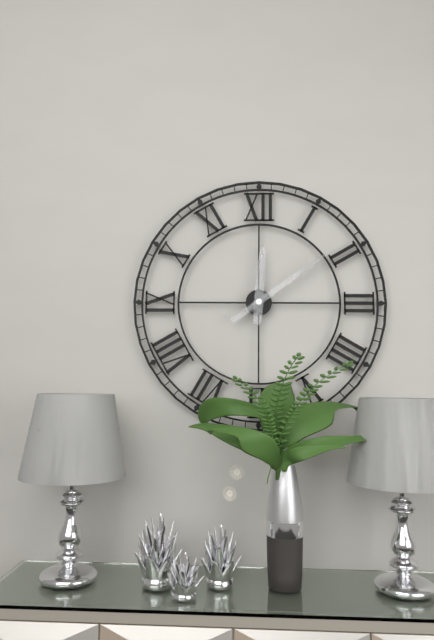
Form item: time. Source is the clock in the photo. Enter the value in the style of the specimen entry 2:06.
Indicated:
12:09
